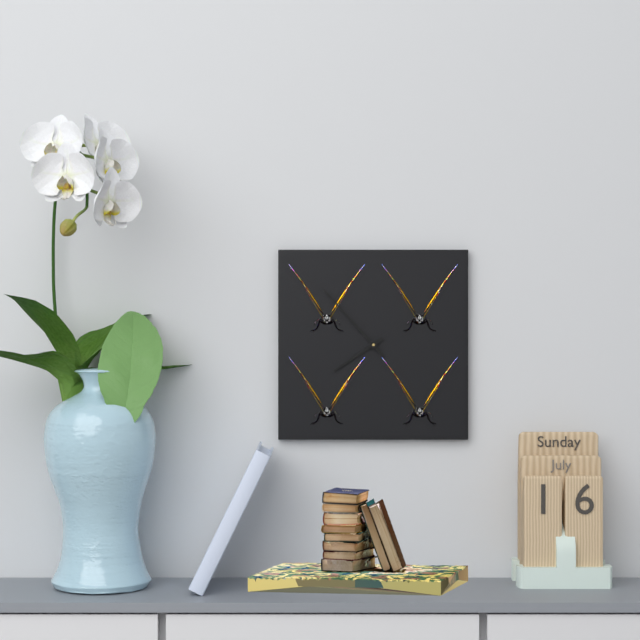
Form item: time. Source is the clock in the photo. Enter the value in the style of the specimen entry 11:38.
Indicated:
7:53
